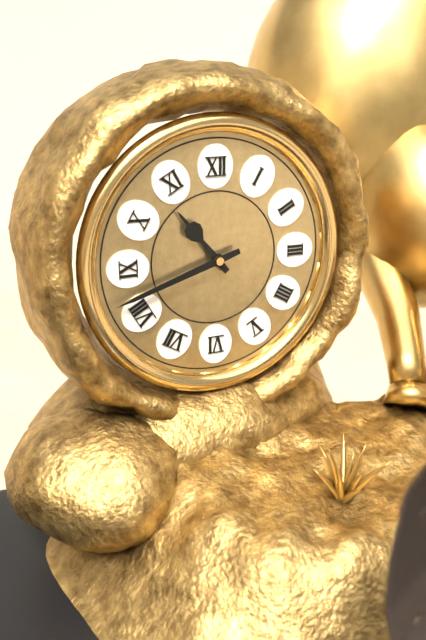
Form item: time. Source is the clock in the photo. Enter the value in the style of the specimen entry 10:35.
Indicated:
10:42
